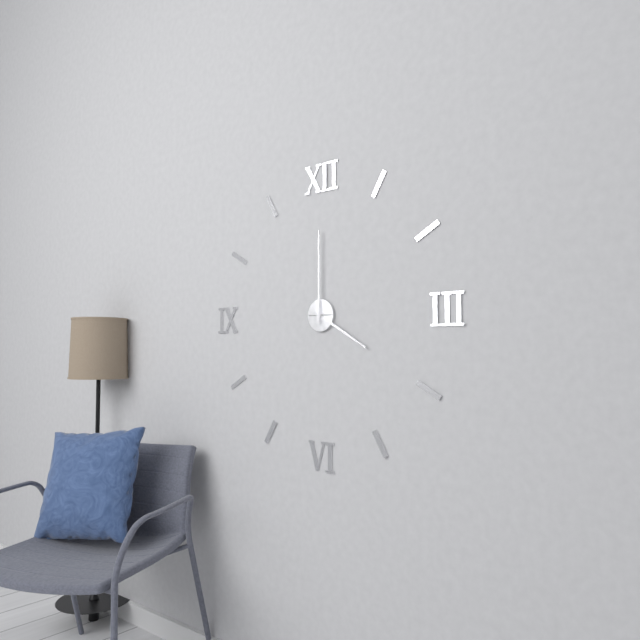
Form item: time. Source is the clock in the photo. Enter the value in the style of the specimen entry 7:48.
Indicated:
4:00
